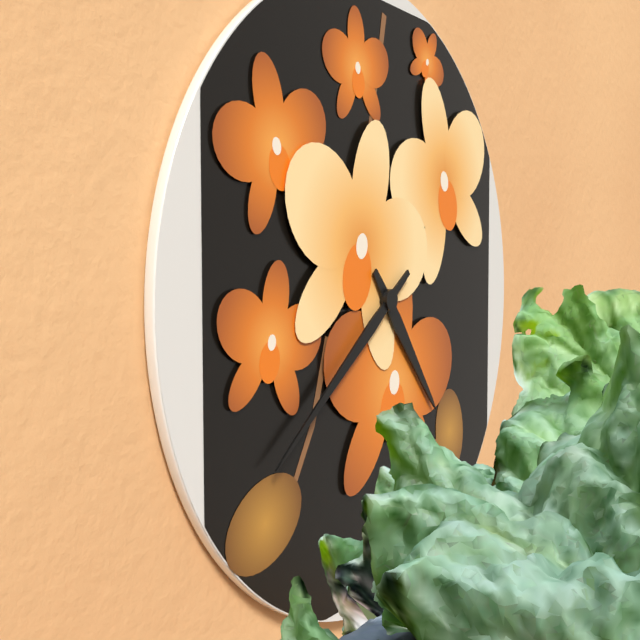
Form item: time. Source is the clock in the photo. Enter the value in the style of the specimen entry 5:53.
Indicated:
4:39
